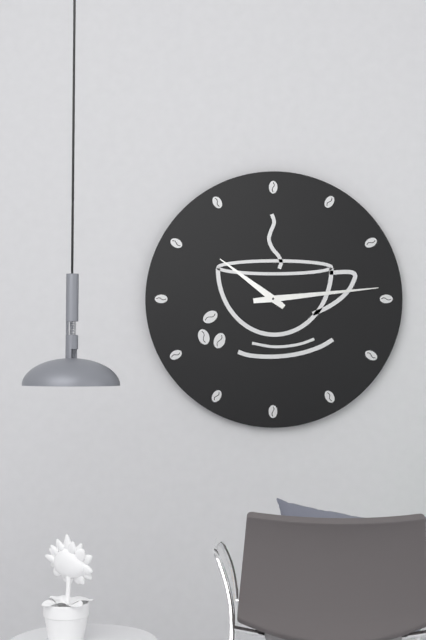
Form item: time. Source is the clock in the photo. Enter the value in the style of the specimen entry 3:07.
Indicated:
10:14
